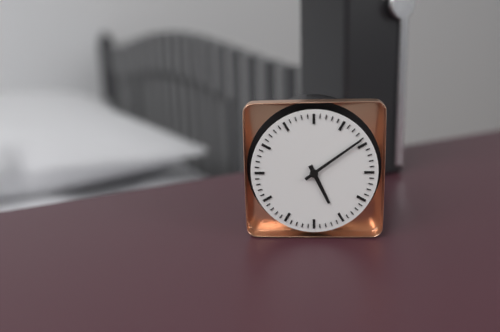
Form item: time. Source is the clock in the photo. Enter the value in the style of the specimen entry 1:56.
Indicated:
5:09
